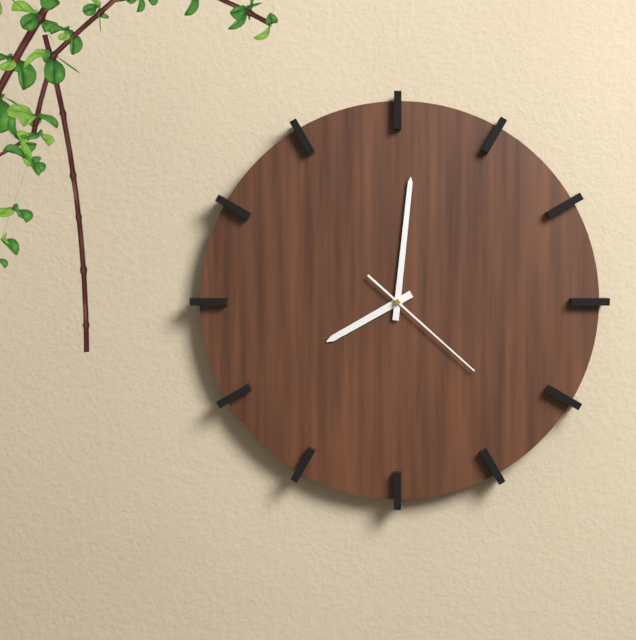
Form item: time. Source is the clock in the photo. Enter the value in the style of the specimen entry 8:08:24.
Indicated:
8:01:22
